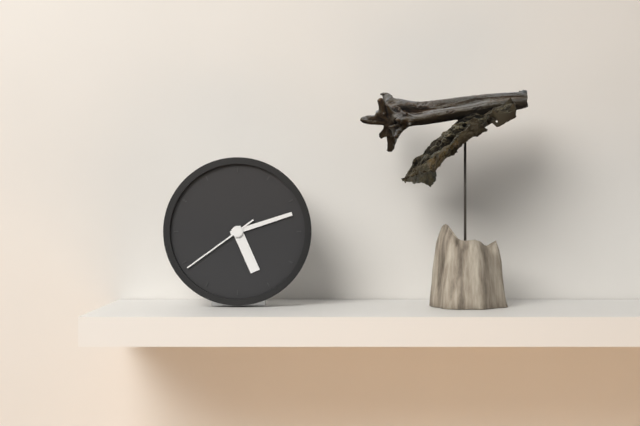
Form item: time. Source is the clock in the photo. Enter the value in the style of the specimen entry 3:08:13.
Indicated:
5:12:39
